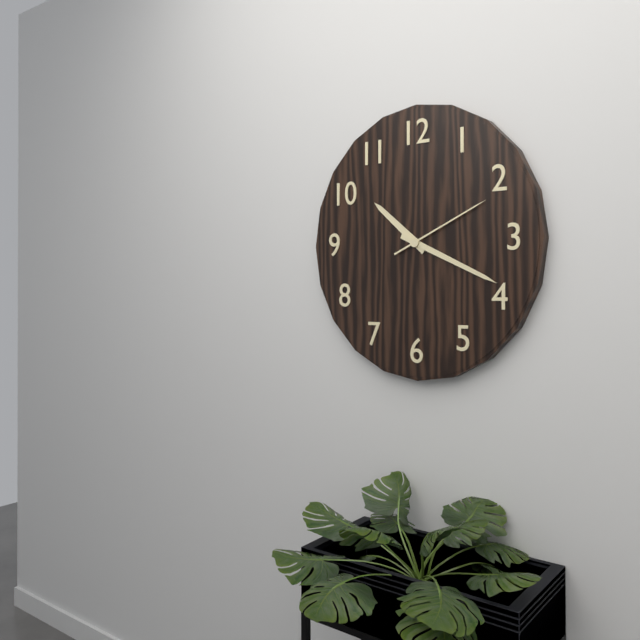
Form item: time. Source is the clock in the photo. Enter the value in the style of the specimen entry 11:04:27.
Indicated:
10:19:11
